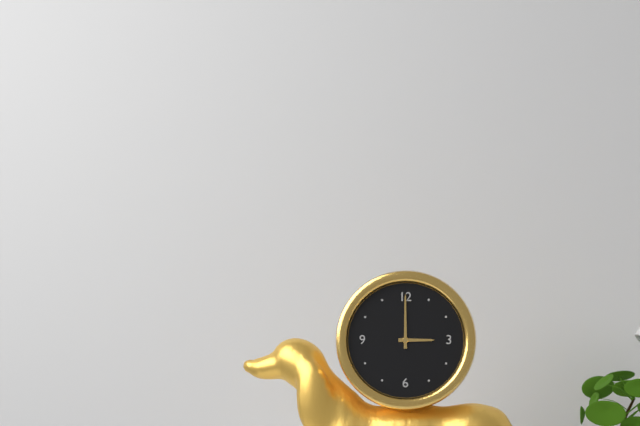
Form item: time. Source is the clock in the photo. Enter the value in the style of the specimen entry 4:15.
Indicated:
3:00
